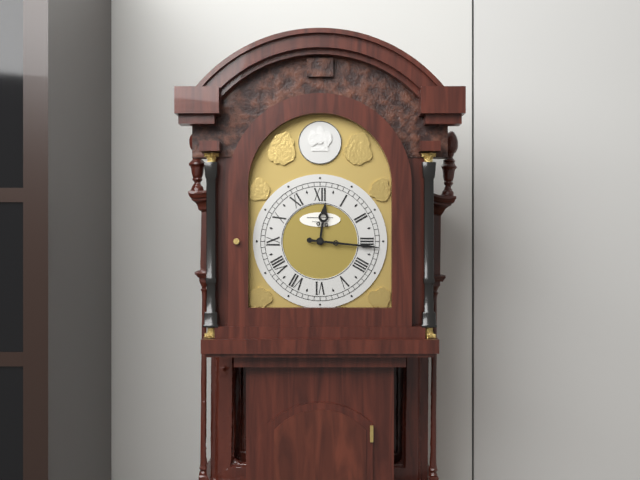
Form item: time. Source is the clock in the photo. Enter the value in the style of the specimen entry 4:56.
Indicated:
12:16
